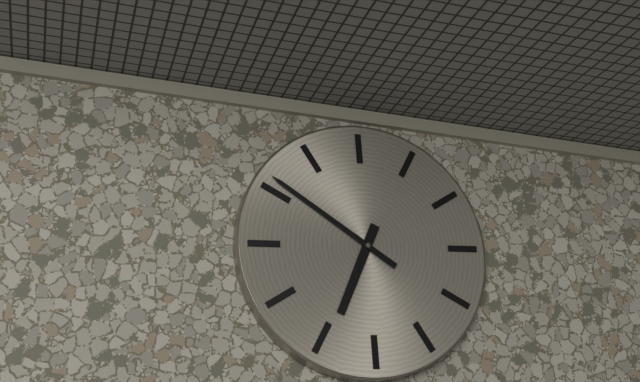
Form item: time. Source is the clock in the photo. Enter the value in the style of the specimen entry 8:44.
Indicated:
6:51
